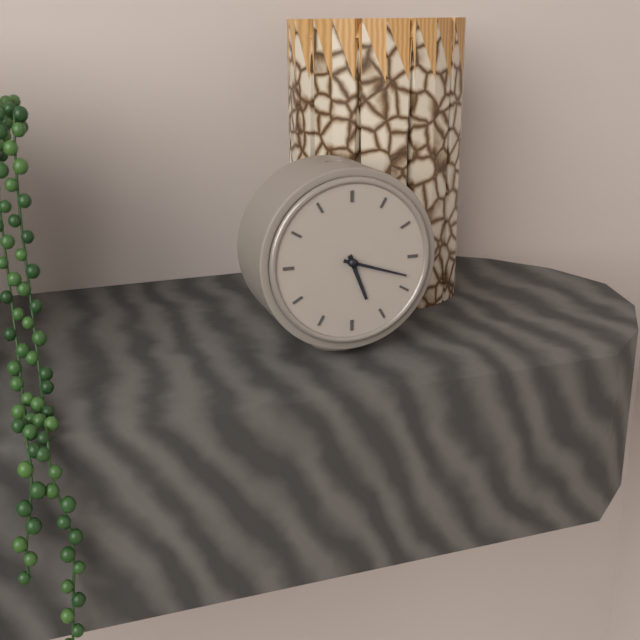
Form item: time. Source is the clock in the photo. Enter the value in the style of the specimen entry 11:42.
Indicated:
5:18
